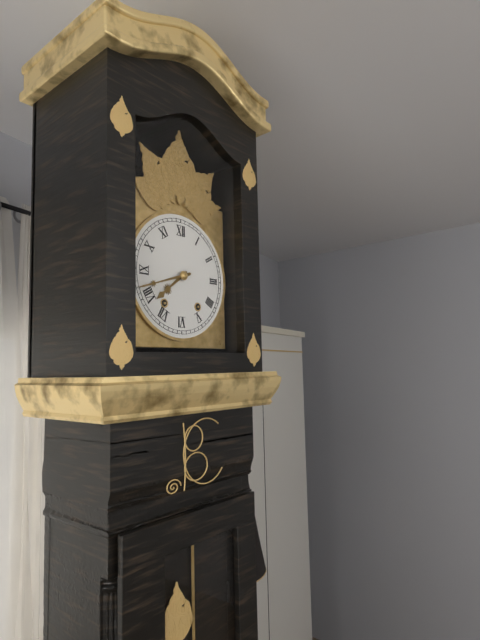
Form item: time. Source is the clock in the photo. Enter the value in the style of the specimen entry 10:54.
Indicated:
7:42
